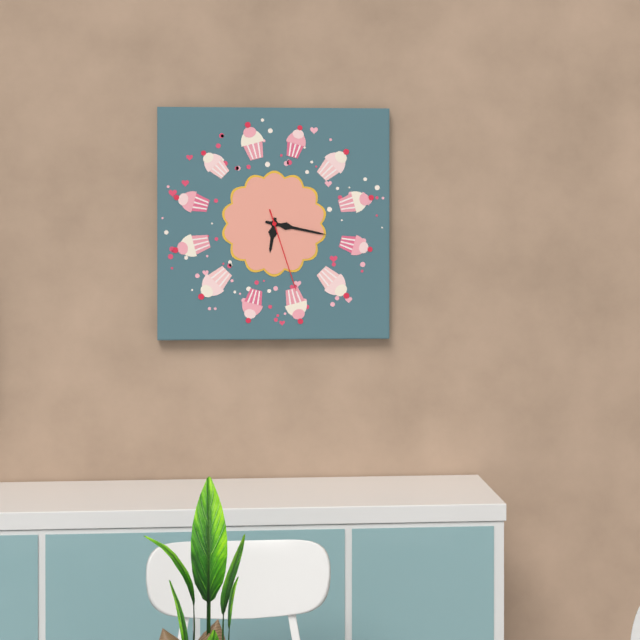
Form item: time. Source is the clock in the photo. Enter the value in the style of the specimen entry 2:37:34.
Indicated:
6:17:27
